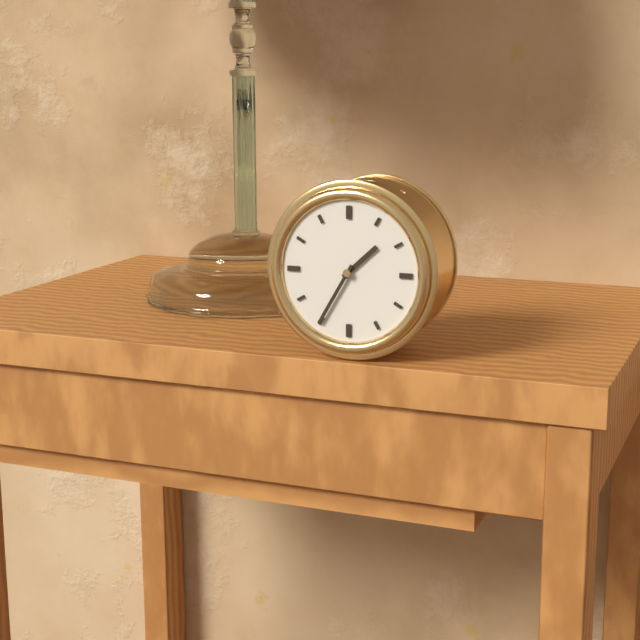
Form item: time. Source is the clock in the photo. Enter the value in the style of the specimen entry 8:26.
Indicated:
1:35
